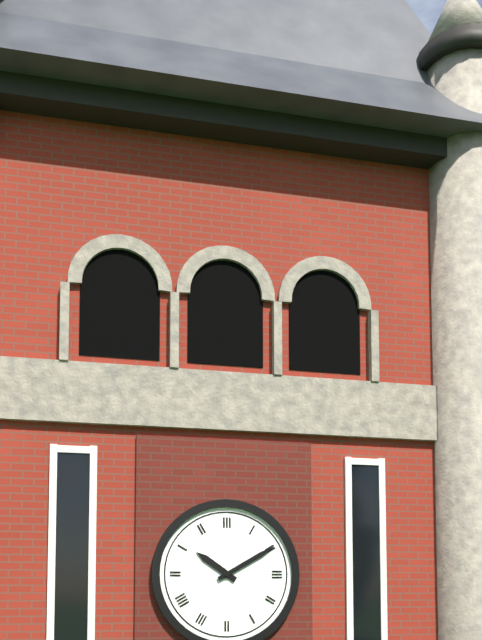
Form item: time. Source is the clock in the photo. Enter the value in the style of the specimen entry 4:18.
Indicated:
10:10
